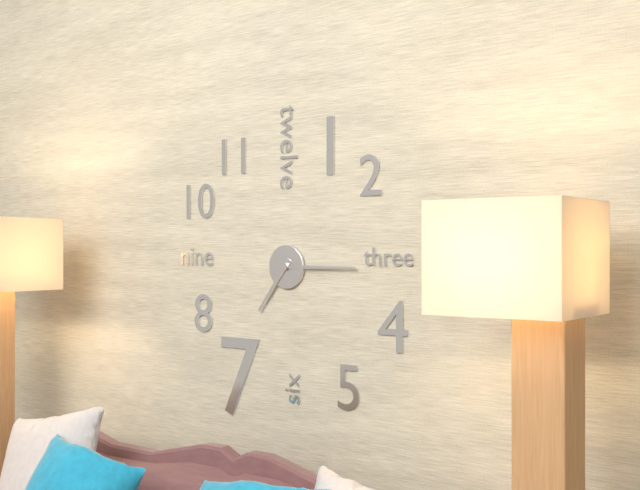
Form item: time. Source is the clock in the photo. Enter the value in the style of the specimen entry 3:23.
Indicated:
7:15
